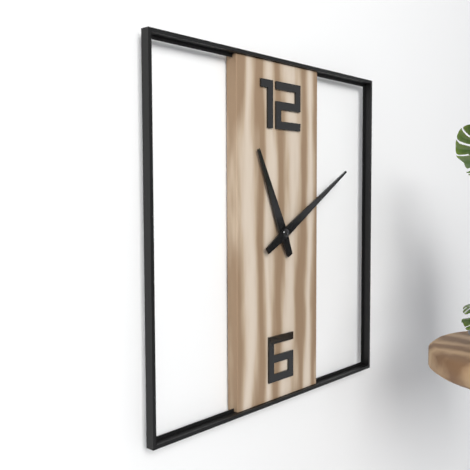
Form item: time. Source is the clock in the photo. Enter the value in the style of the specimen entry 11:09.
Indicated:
11:10
